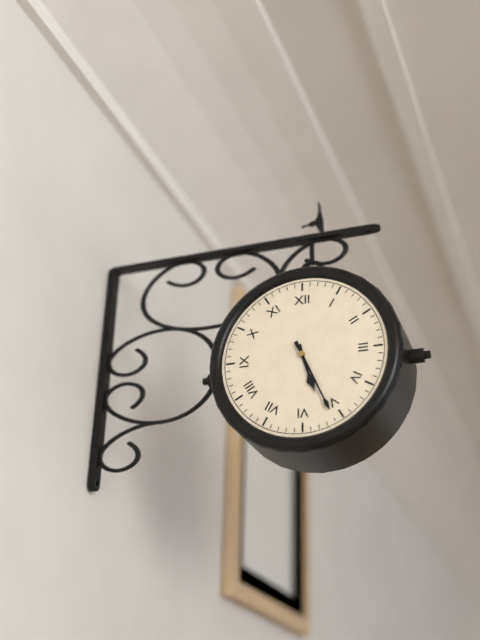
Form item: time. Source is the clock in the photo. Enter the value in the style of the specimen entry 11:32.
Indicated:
5:26
